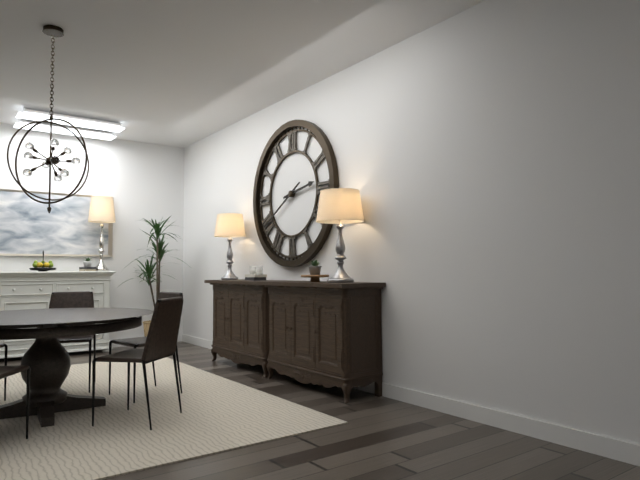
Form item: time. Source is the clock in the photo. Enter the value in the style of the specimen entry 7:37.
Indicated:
2:40
